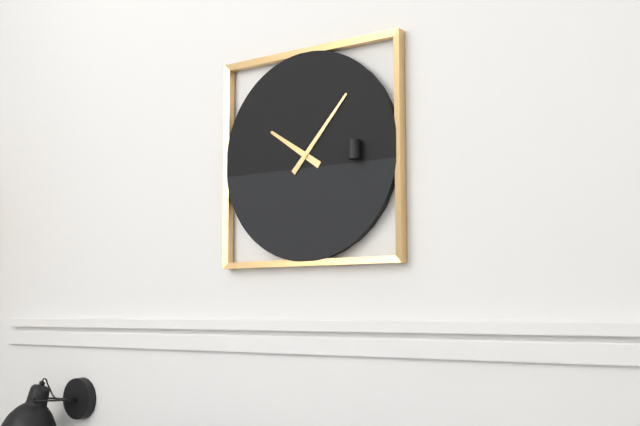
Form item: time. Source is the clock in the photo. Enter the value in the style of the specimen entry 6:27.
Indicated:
10:07
